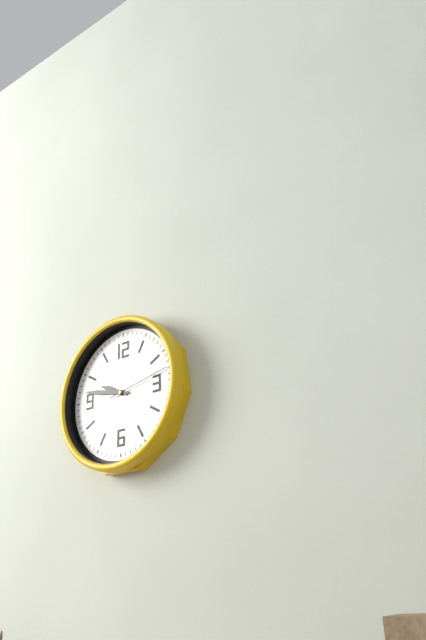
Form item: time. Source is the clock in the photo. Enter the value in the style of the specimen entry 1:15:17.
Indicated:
9:47:13
